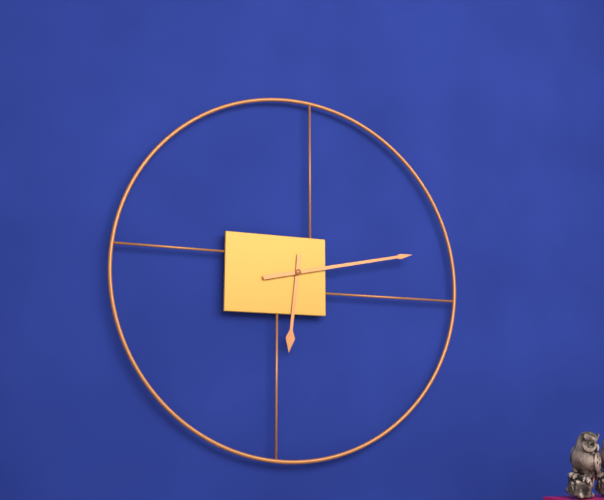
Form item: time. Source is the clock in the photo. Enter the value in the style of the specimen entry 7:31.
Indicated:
6:13
